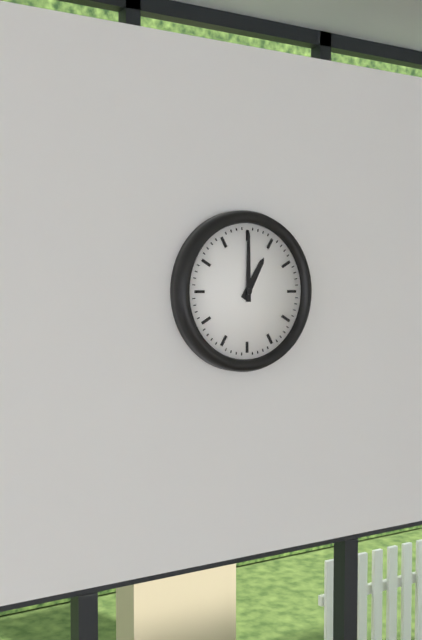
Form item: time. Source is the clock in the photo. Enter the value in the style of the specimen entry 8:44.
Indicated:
1:00
